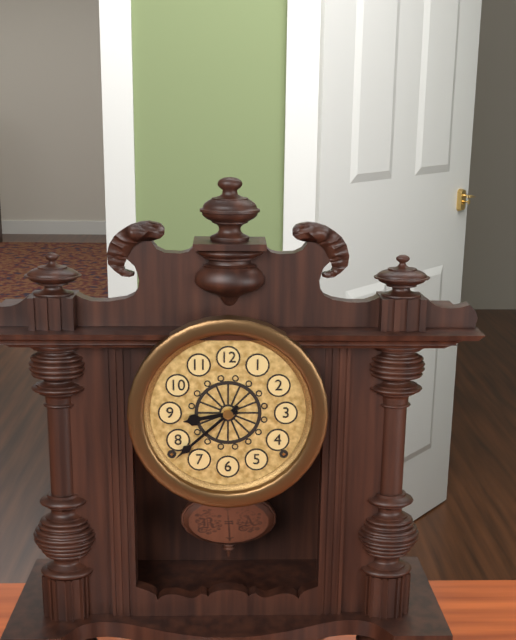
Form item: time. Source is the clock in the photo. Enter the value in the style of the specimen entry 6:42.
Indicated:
8:38
